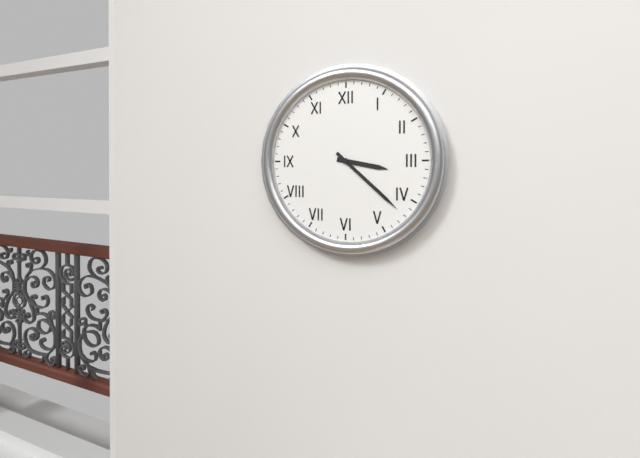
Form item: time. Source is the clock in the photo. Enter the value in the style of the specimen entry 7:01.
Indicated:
3:22
